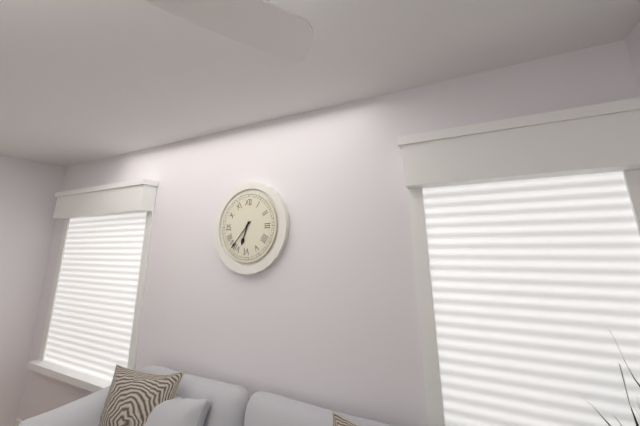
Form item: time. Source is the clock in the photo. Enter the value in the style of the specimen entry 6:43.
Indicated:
6:37
